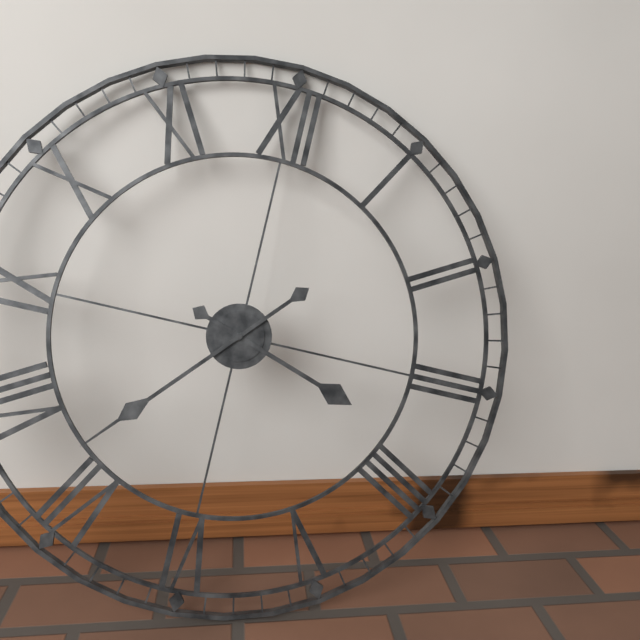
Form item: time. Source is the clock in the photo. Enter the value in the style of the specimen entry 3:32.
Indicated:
3:37
